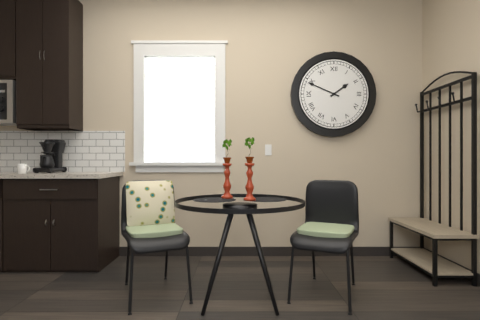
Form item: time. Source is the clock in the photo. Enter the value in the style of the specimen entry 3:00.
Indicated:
1:49
